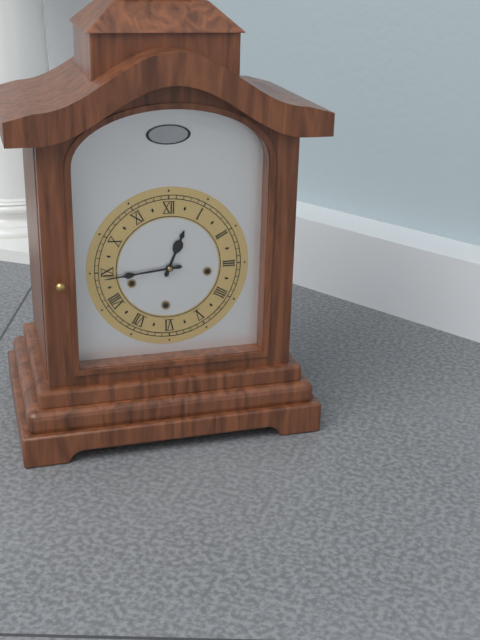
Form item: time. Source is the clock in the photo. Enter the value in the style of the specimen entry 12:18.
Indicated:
12:44
